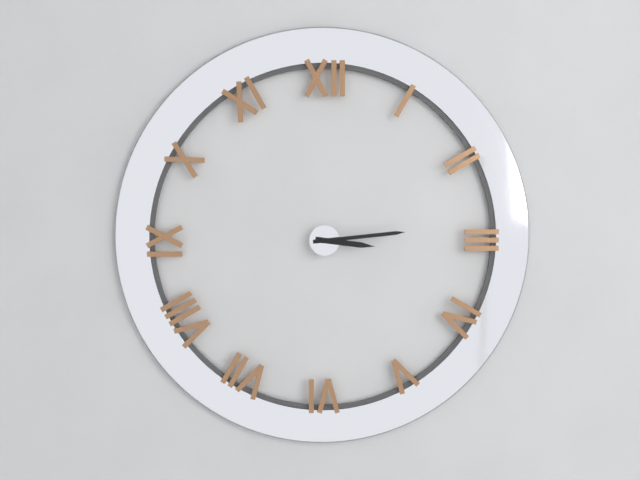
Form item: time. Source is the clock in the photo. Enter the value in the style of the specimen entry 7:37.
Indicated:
3:14
